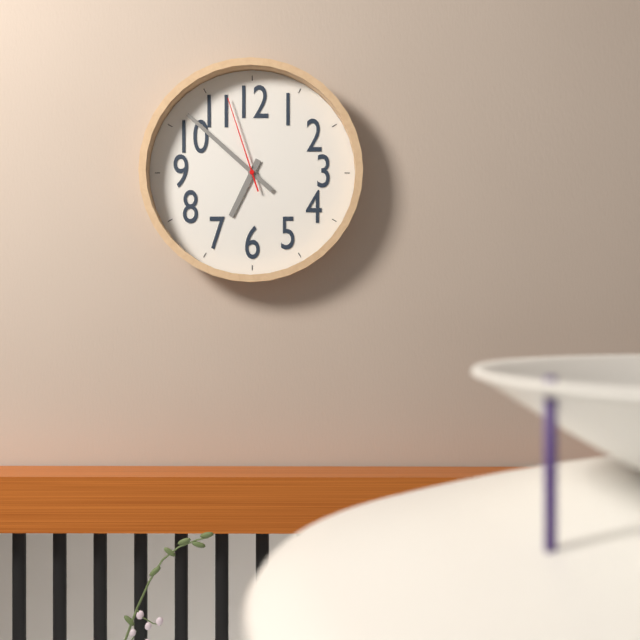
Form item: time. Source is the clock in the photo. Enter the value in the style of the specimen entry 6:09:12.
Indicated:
6:52:57
